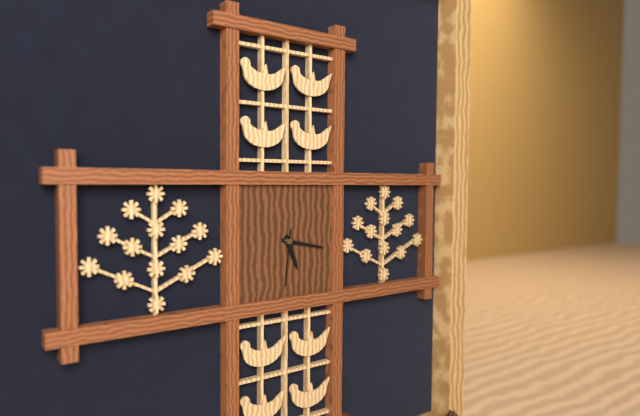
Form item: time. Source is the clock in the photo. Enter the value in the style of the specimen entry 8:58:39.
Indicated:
5:17:31
